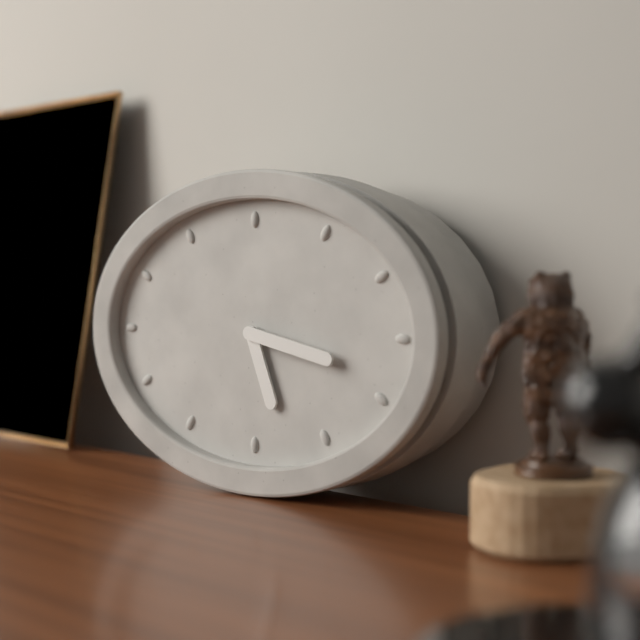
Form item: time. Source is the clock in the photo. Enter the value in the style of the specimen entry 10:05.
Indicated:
5:17
